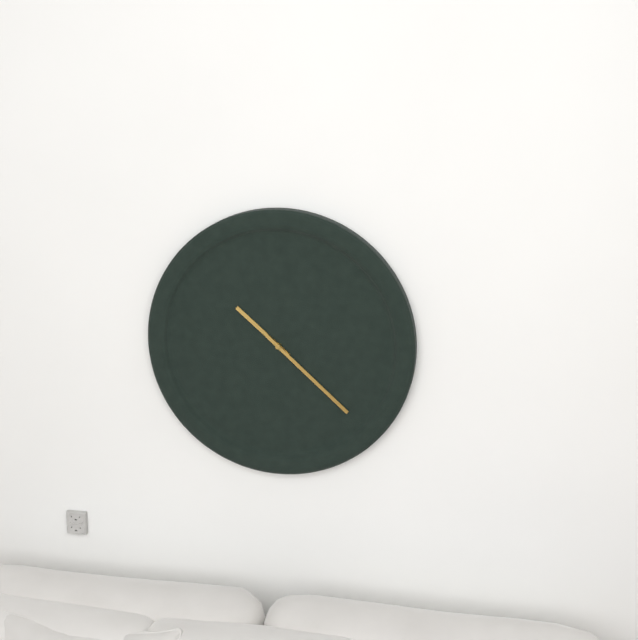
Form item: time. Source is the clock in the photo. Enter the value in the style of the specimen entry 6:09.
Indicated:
10:22
